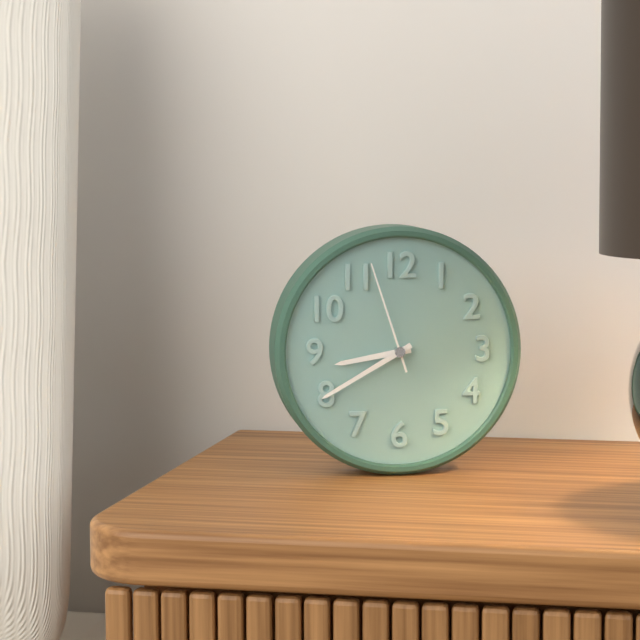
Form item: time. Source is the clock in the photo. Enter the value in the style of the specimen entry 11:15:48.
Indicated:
8:40:57
